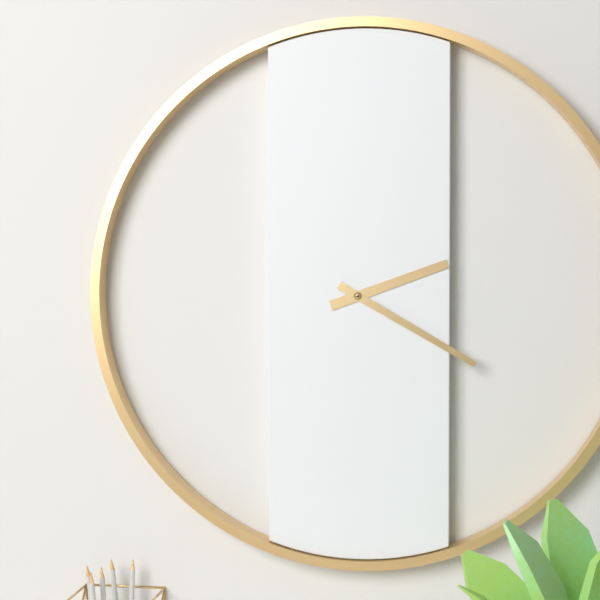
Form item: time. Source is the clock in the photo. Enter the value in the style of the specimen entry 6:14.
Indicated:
2:20
